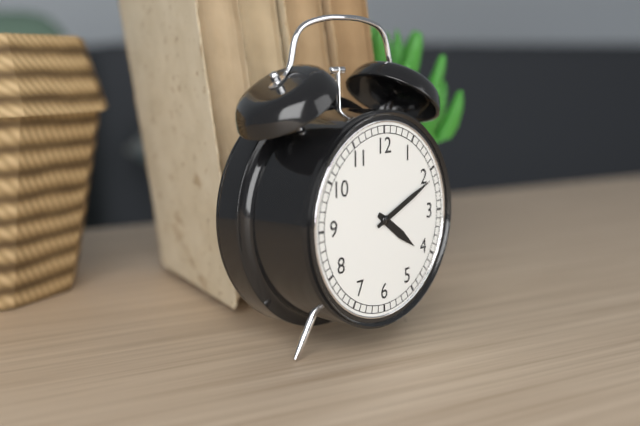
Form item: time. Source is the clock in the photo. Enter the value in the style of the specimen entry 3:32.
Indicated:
4:11
